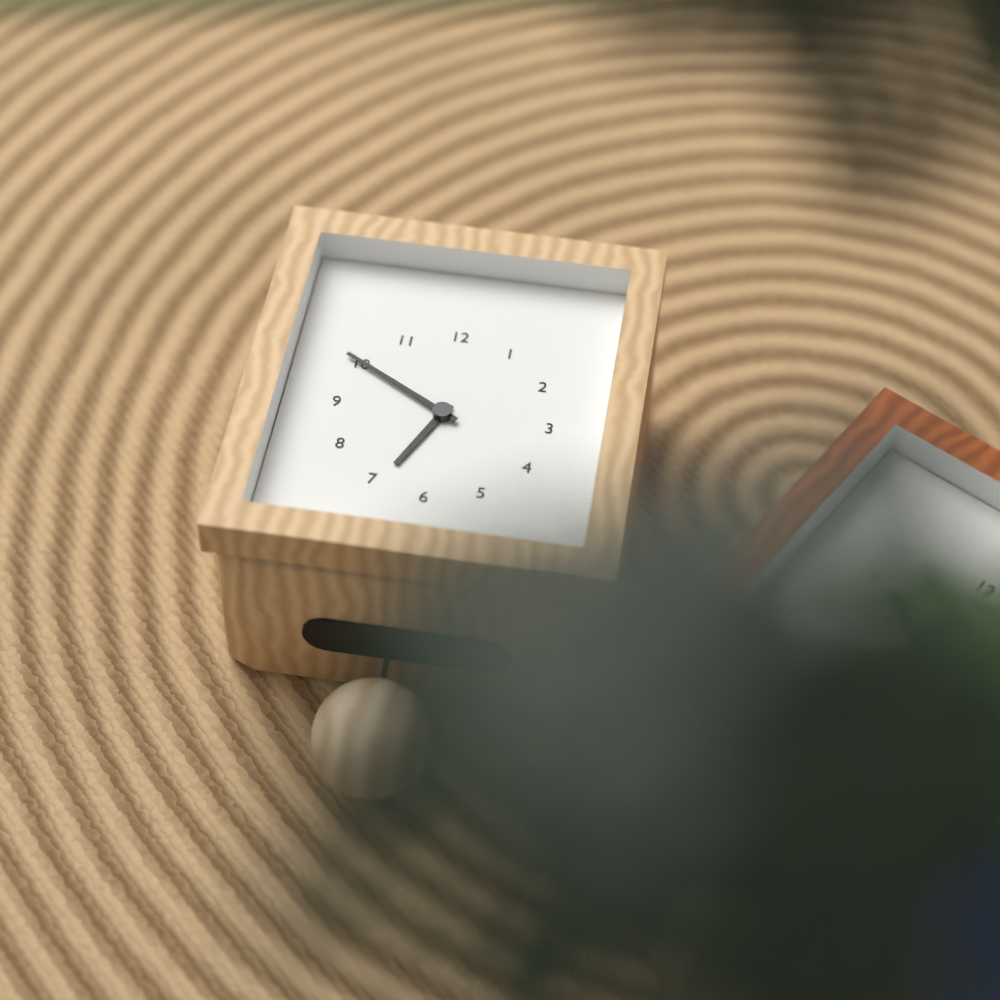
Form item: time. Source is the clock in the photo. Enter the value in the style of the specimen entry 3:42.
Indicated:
6:50
